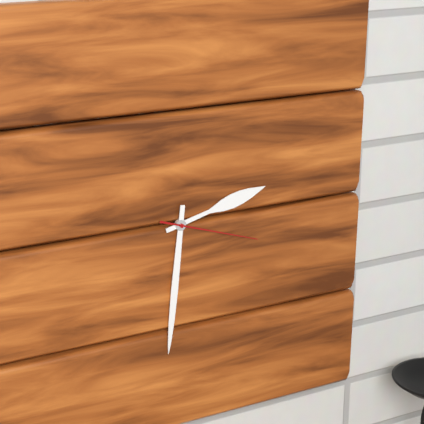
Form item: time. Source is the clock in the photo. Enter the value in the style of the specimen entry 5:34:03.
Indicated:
2:31:18
